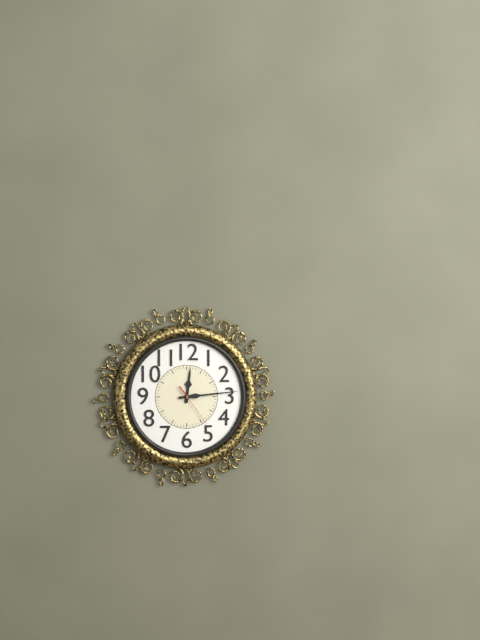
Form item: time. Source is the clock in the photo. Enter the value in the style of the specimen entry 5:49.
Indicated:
12:14
